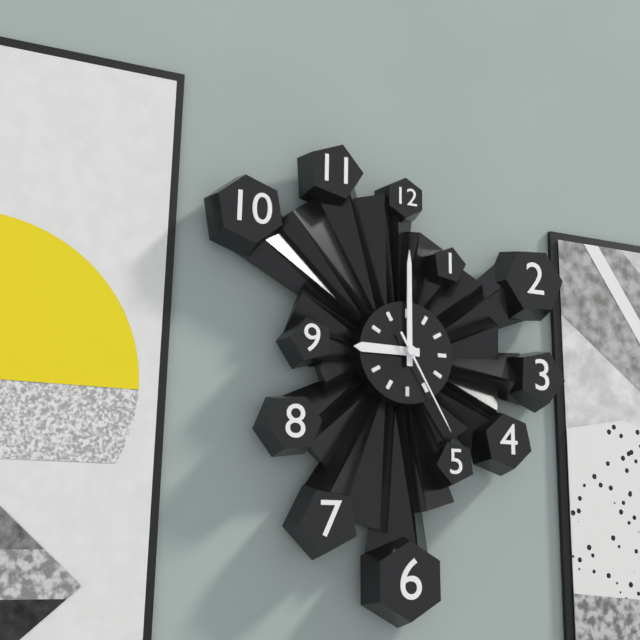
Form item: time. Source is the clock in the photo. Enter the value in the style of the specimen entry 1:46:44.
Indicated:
9:00:25
